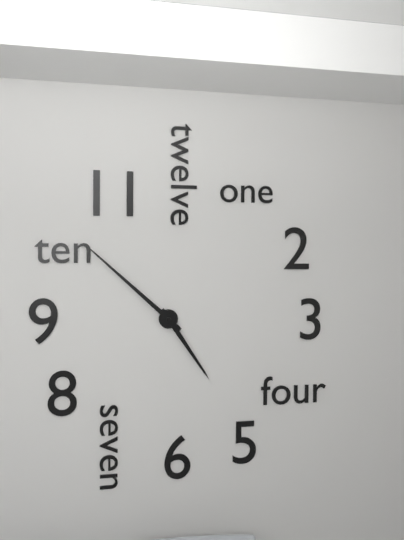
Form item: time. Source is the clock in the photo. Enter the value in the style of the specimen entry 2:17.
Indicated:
4:52
